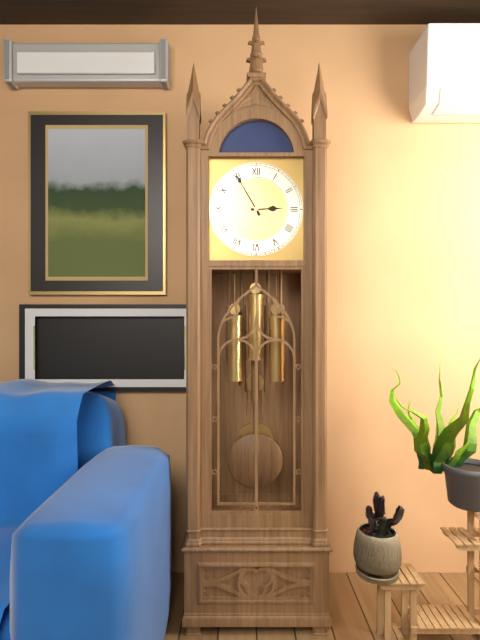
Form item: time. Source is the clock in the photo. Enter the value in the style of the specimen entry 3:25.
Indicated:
2:55
